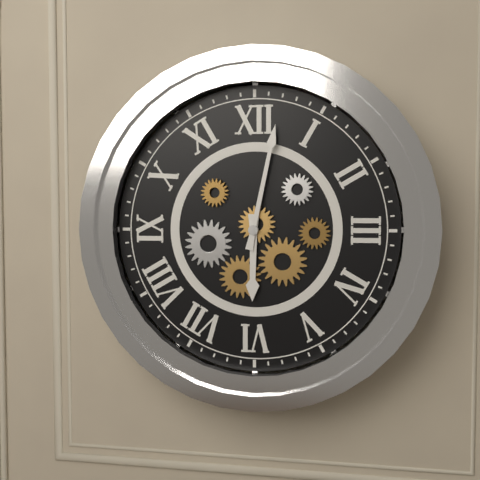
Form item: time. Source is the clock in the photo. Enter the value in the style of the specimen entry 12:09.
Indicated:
6:02
